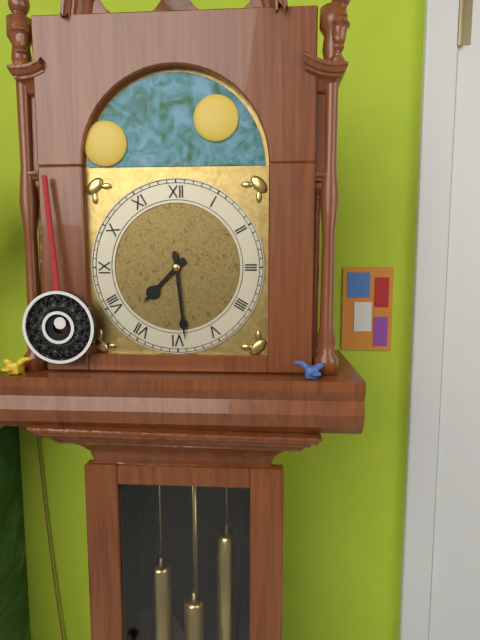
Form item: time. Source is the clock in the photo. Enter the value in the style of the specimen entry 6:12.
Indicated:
7:29
